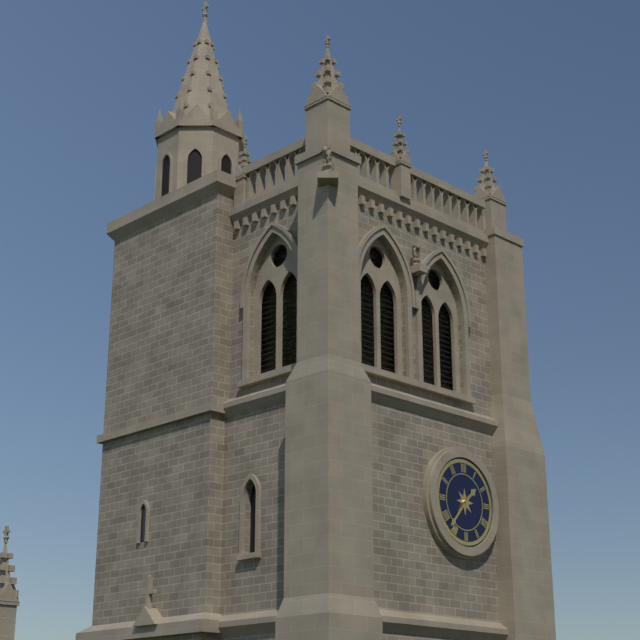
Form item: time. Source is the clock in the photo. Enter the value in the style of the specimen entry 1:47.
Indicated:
1:37
